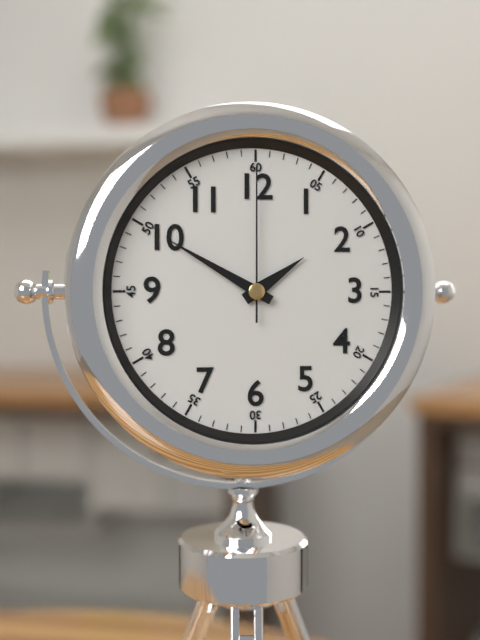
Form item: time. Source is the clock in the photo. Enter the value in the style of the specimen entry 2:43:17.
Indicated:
1:50:00
